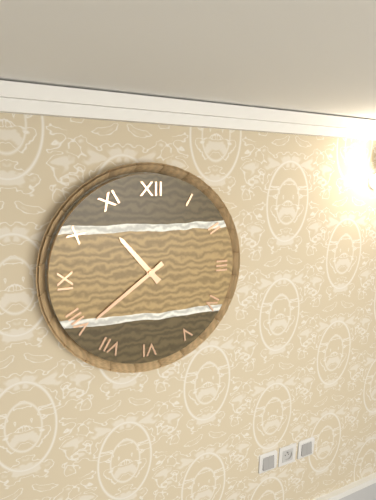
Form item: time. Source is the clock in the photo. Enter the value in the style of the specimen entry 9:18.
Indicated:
10:39
